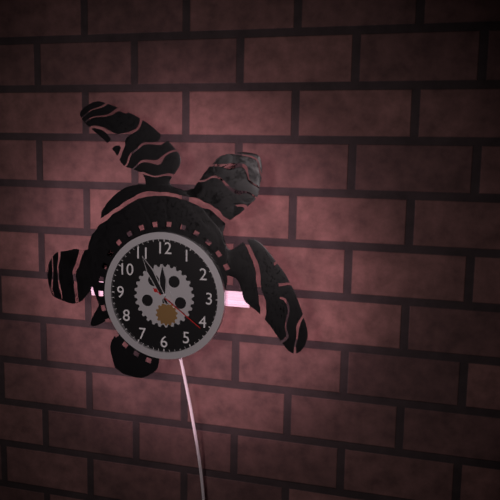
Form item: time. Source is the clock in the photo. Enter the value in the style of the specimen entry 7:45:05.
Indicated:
11:55:21
